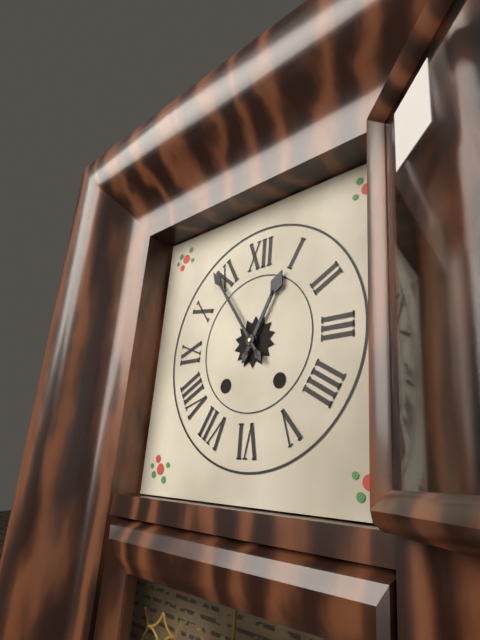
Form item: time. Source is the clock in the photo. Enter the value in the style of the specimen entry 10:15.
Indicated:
12:54
